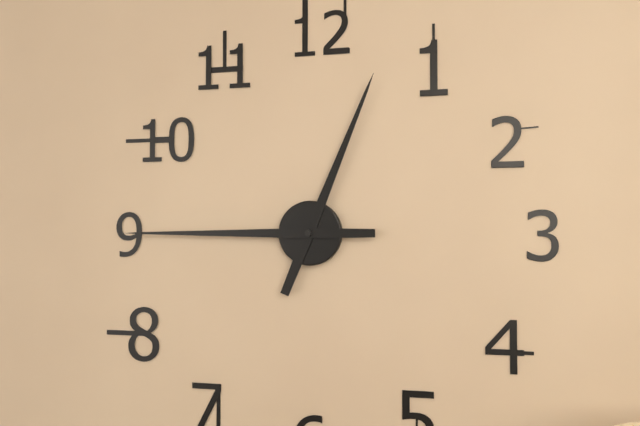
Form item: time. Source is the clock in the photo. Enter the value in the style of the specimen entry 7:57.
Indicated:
12:45
